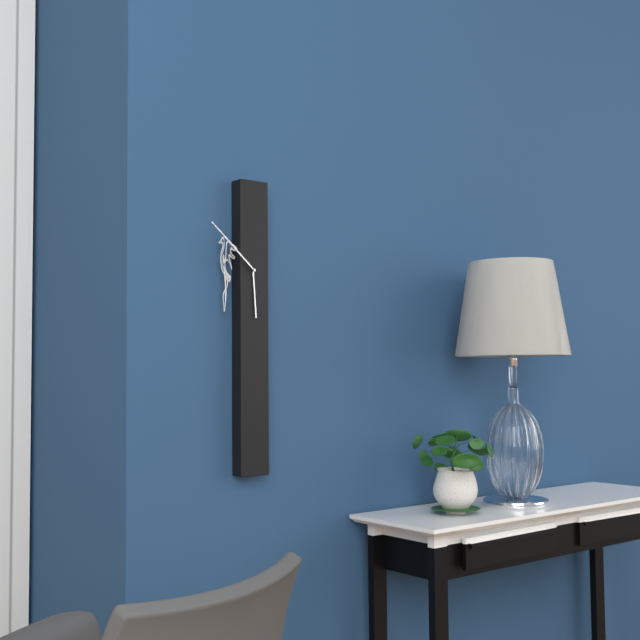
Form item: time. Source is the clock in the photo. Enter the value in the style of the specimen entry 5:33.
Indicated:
5:52
